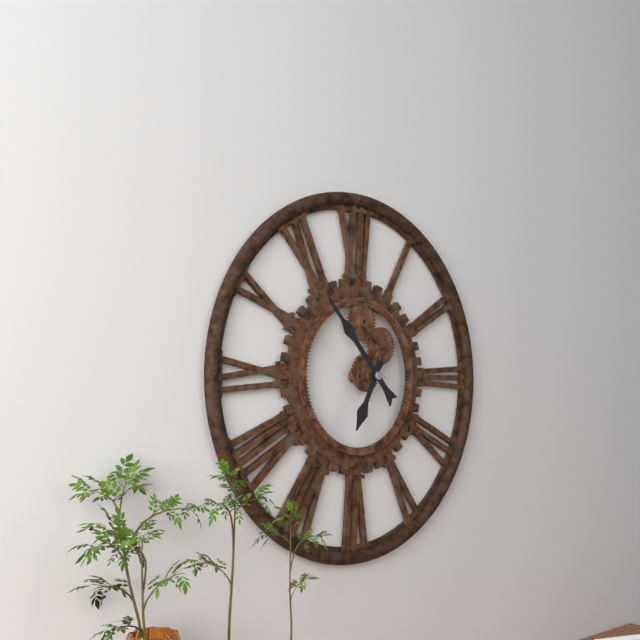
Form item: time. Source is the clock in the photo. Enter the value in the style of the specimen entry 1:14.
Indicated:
6:53
